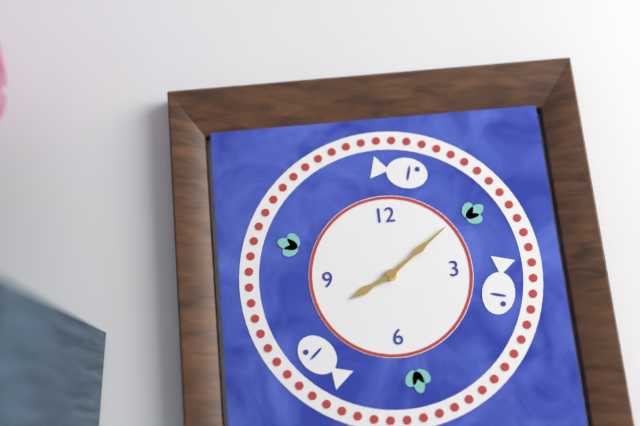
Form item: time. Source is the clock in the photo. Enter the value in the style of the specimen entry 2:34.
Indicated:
8:09
